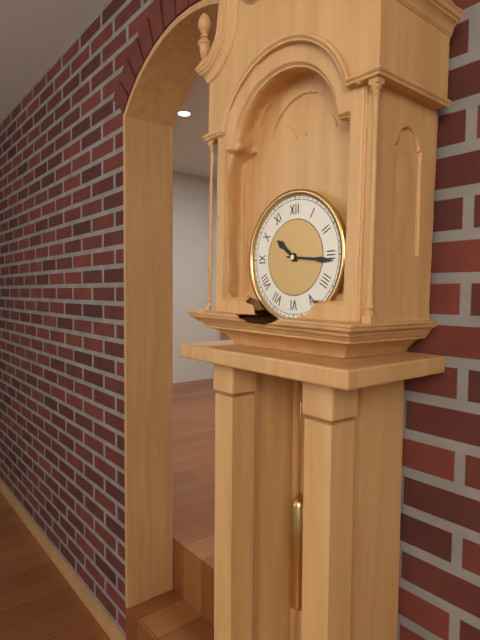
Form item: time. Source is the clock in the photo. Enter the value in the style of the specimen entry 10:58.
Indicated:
10:16
